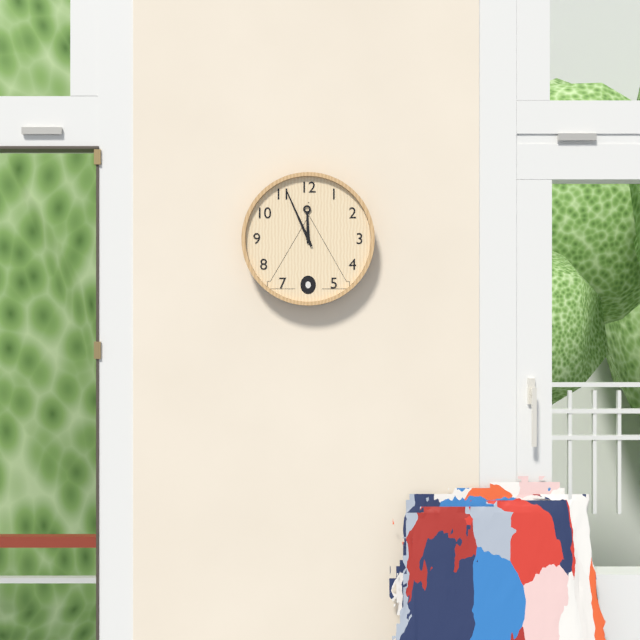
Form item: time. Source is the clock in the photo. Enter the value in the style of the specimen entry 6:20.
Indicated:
11:56
